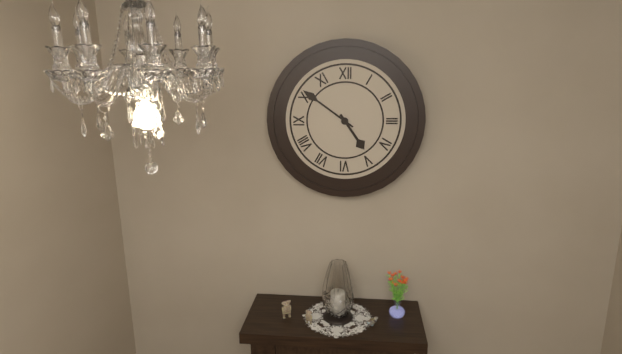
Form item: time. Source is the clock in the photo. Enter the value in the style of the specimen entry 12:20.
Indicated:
4:51
